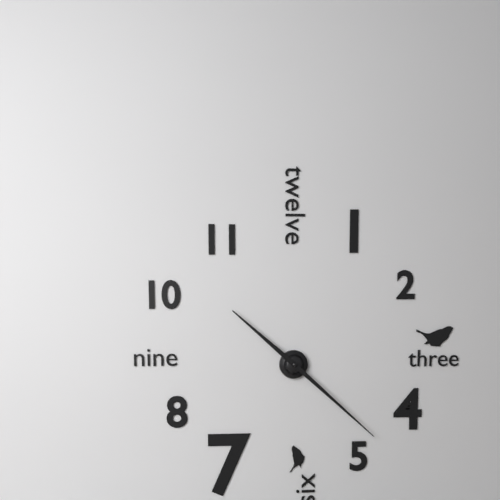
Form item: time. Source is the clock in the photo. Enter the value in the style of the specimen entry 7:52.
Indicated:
10:22
